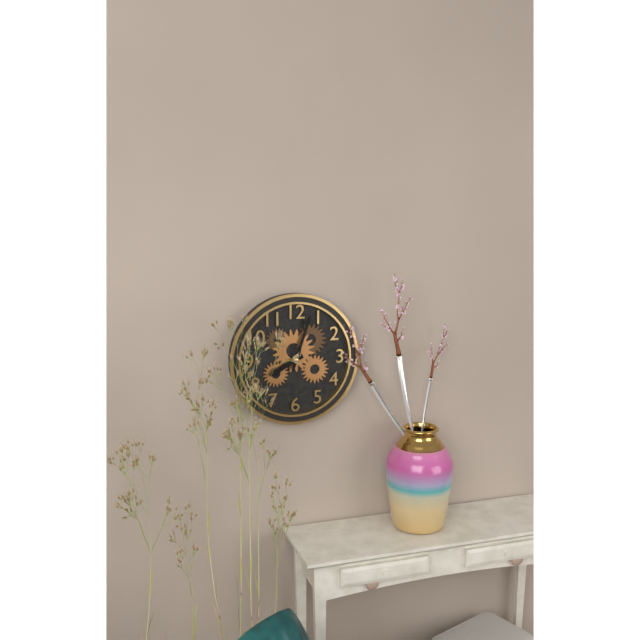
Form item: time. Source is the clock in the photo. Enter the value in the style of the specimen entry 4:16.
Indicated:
8:03
